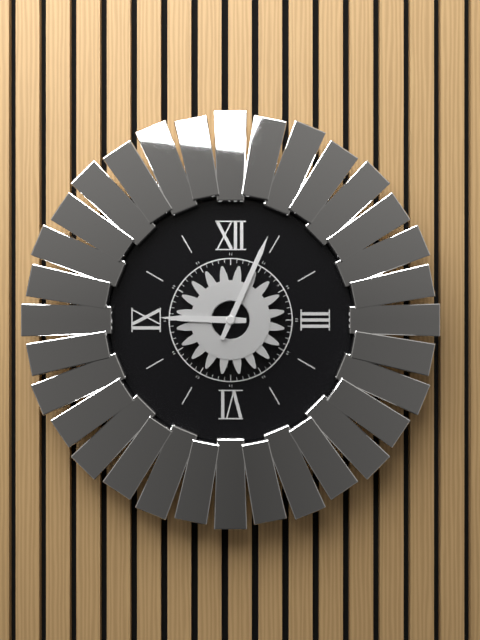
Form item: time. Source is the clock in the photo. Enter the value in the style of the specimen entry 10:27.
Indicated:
9:04
